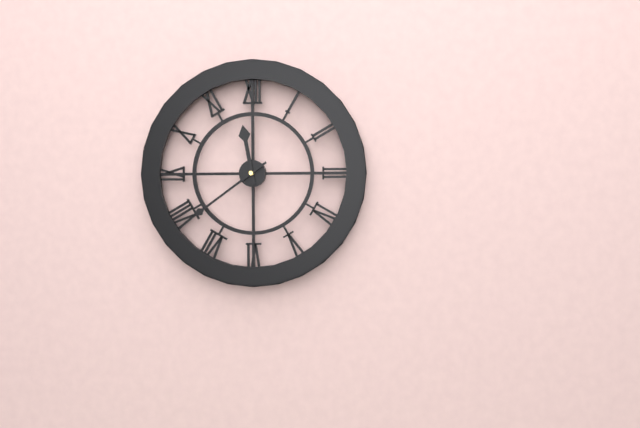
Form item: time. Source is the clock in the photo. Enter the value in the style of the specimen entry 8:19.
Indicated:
11:39
